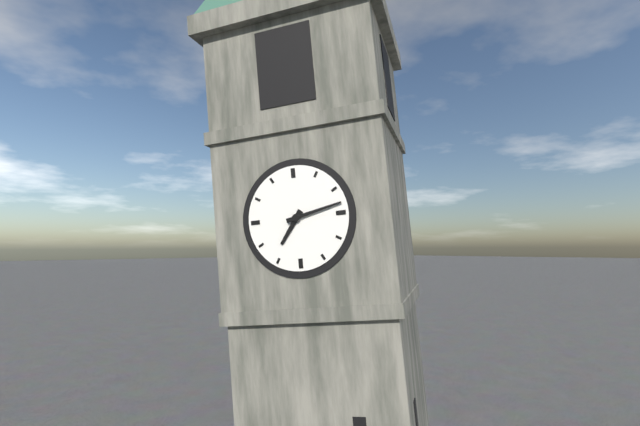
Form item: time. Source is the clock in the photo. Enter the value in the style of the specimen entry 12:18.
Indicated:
7:13
